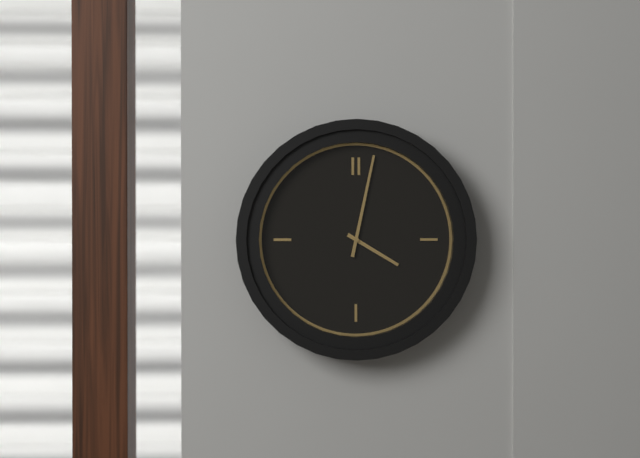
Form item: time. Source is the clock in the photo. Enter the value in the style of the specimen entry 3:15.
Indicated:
4:02
